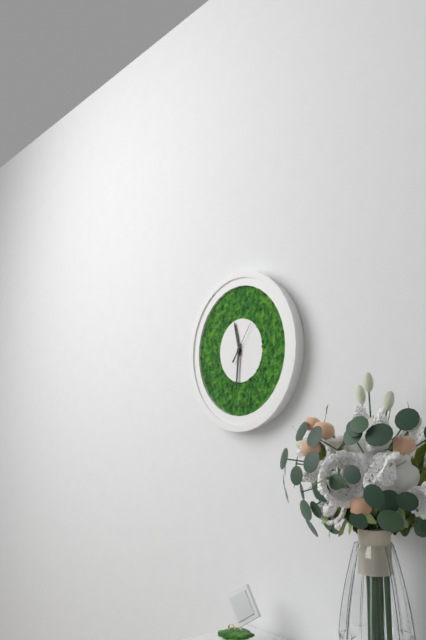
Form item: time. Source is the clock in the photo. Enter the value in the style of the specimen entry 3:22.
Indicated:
11:31
